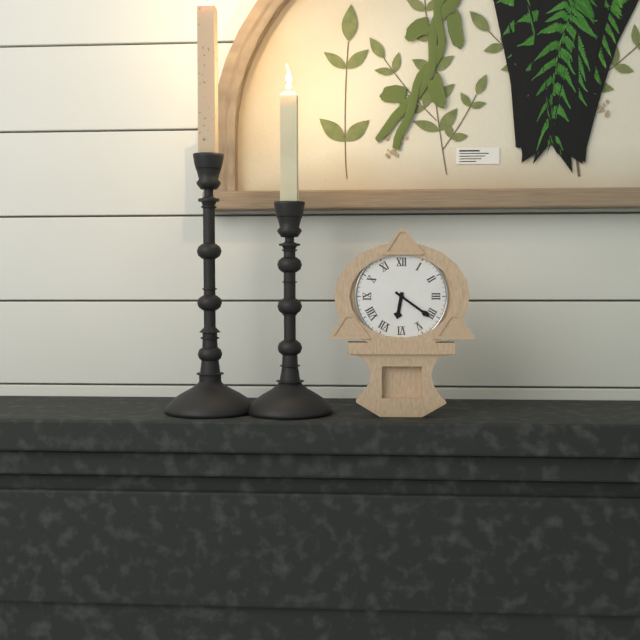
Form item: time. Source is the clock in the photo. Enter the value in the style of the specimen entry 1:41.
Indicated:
6:21
